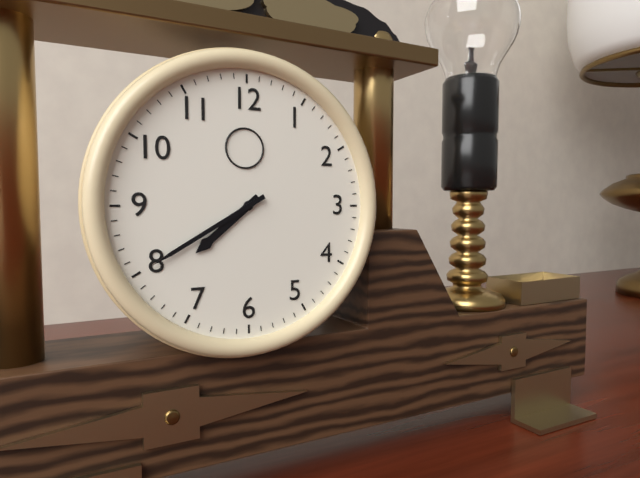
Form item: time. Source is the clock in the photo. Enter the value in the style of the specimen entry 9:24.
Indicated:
7:40
